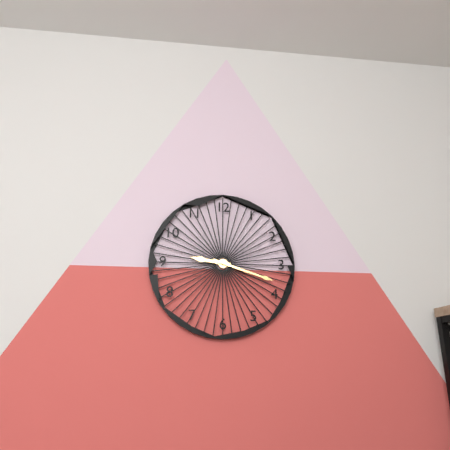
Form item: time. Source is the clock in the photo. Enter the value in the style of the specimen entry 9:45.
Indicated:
9:18
